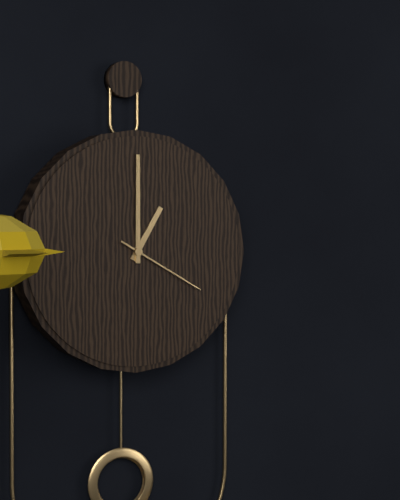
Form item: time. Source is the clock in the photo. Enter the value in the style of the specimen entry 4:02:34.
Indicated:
1:00:20
